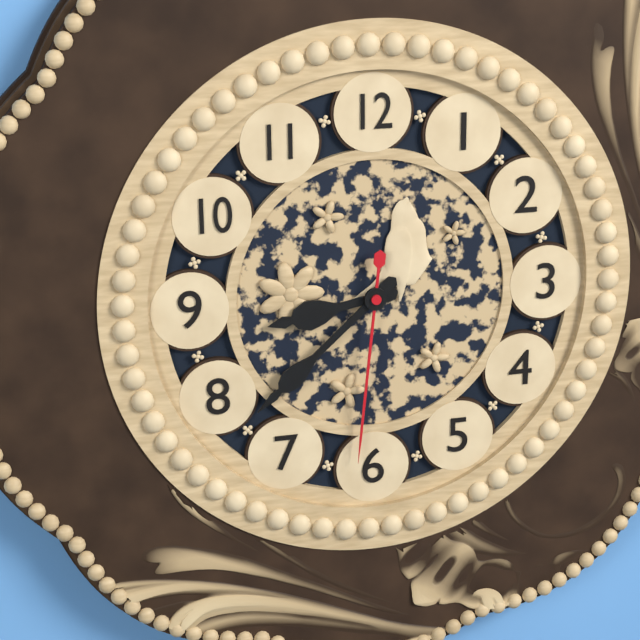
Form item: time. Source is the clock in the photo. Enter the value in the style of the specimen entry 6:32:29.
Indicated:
8:38:31
